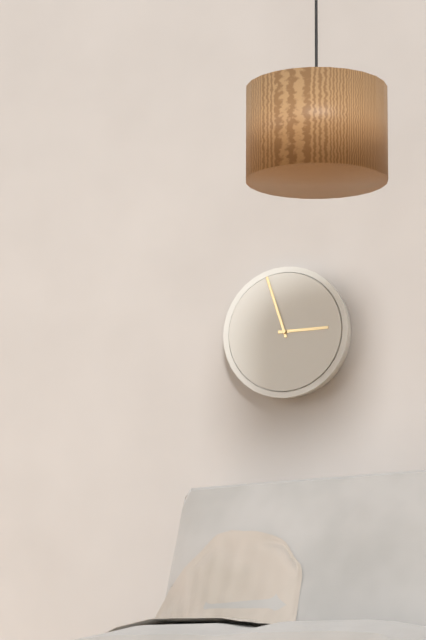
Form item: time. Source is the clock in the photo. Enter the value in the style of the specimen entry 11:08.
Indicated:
2:57
